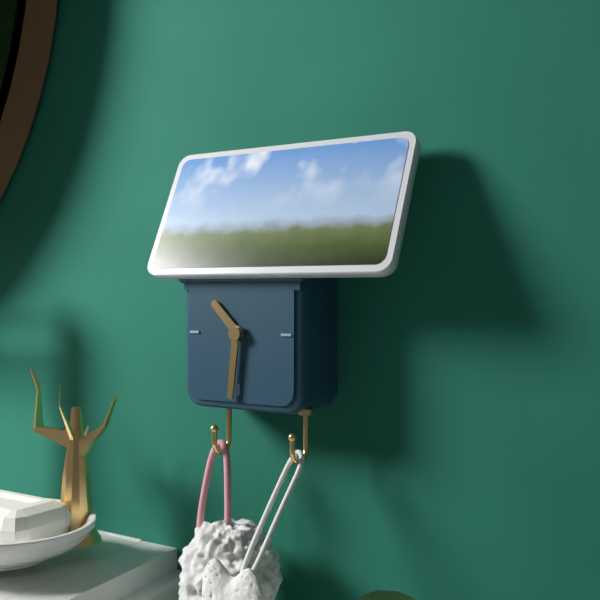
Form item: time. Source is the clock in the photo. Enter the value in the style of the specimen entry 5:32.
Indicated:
10:31
